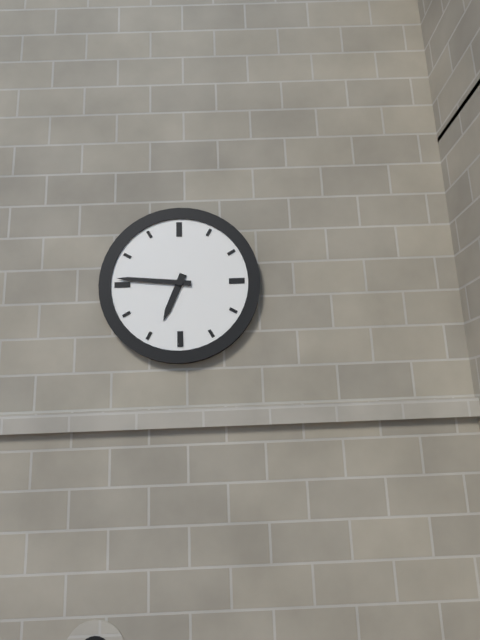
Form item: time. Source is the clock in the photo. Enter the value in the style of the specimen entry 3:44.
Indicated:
6:46
